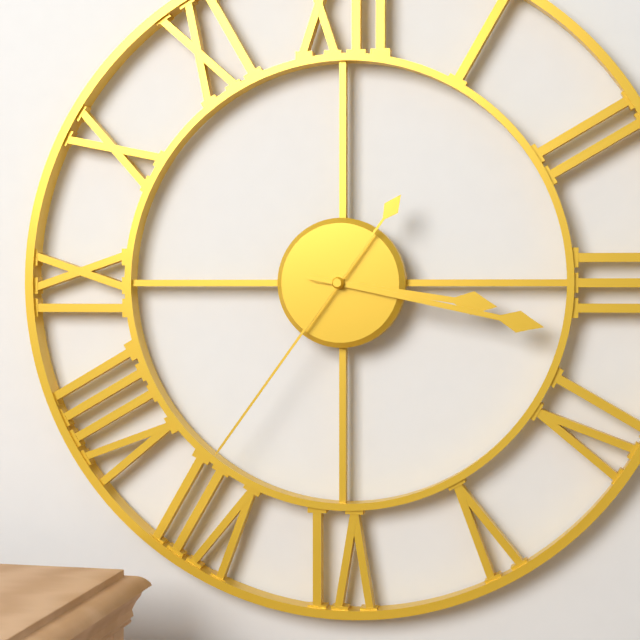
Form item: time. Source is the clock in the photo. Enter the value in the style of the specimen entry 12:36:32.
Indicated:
3:17:36
